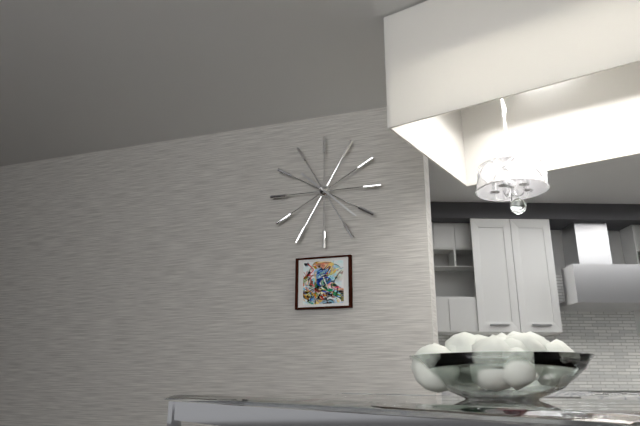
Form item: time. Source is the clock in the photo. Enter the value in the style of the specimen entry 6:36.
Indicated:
10:22
